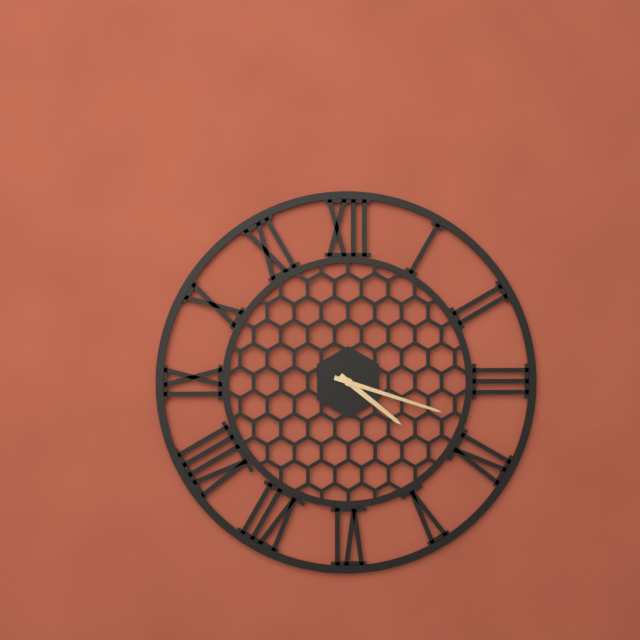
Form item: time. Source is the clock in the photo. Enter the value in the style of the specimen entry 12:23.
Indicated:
4:18
